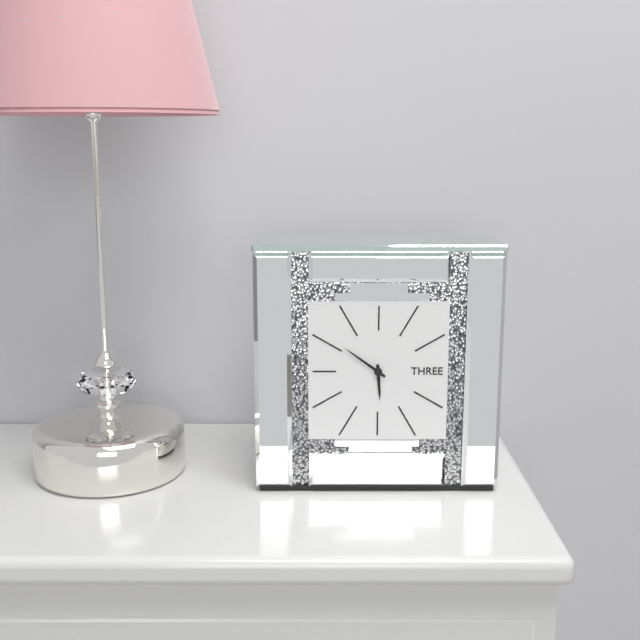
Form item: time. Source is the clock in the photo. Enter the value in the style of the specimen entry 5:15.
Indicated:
5:51
